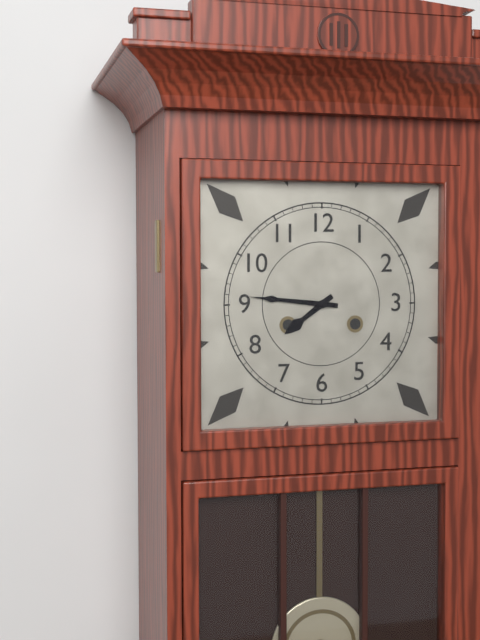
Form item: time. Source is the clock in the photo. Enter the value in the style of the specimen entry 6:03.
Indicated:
7:46
